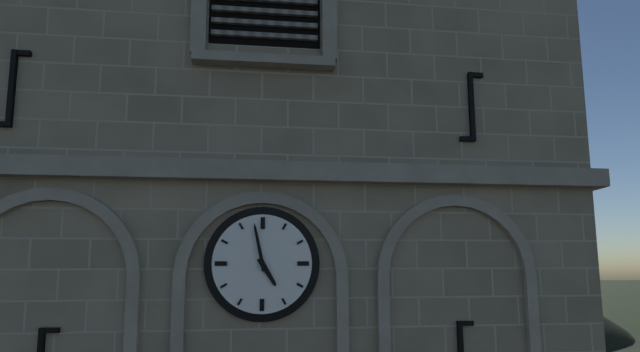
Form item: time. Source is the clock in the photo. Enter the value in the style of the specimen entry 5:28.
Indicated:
4:58
